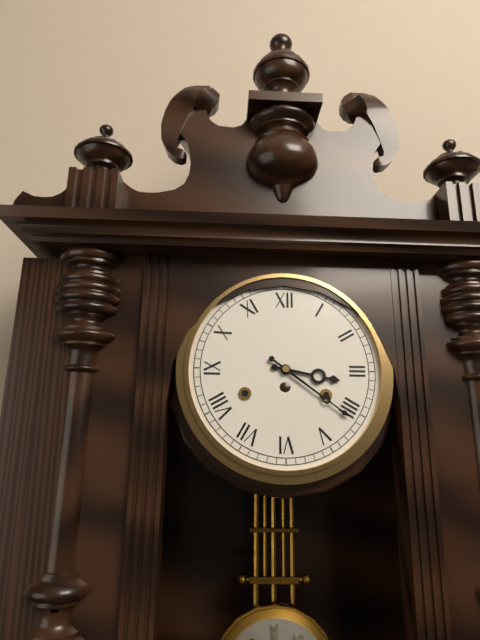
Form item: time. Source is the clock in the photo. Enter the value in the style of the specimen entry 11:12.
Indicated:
3:21
